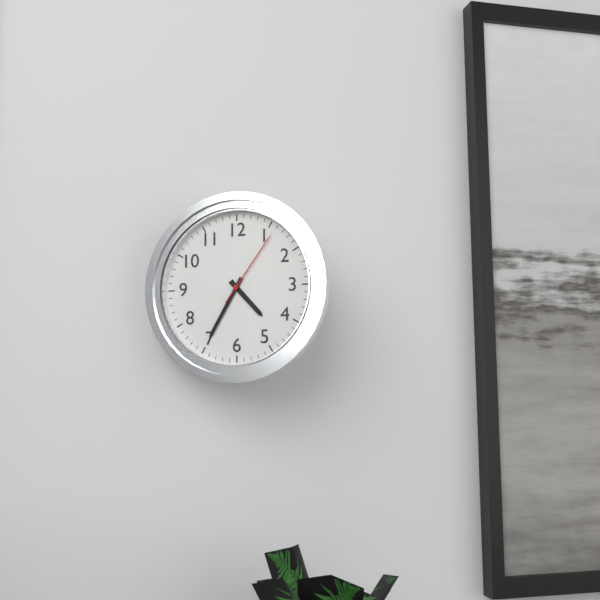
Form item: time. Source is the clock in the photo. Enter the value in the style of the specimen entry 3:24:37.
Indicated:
4:35:06
